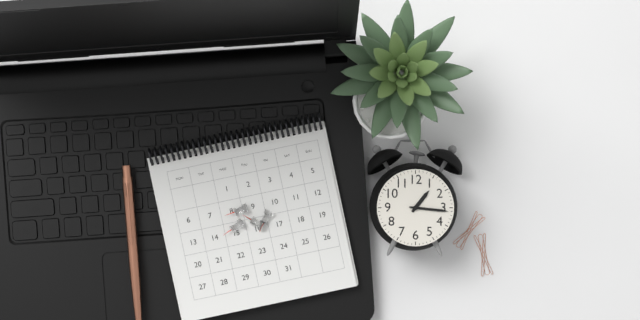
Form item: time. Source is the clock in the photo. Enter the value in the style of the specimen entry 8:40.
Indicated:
1:16
